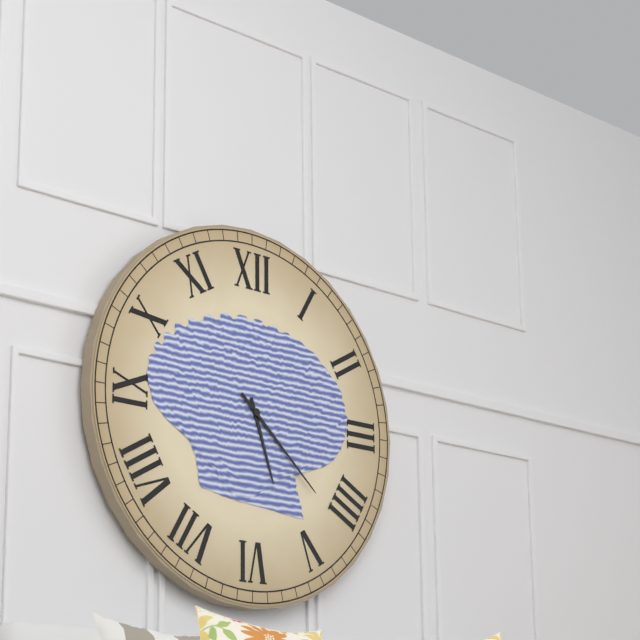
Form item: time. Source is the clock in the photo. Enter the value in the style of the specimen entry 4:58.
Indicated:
5:22
